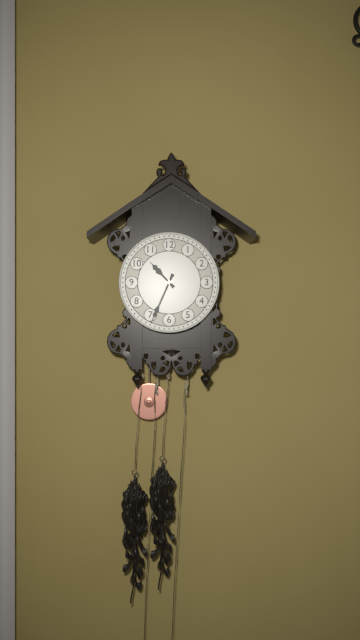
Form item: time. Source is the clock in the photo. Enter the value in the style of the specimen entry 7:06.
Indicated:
10:34
